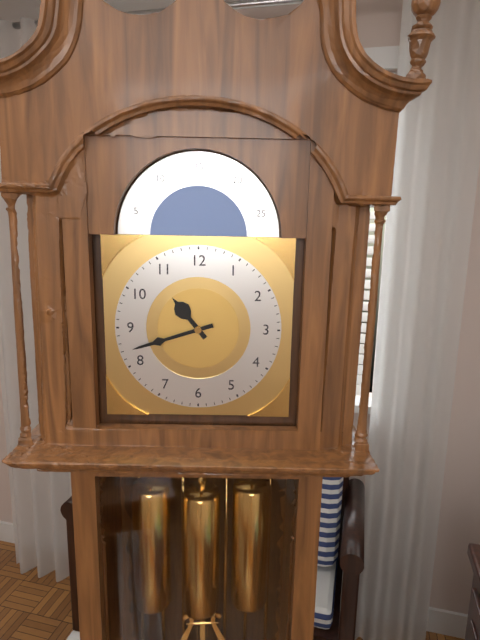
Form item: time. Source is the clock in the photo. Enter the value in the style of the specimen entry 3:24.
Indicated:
10:42
